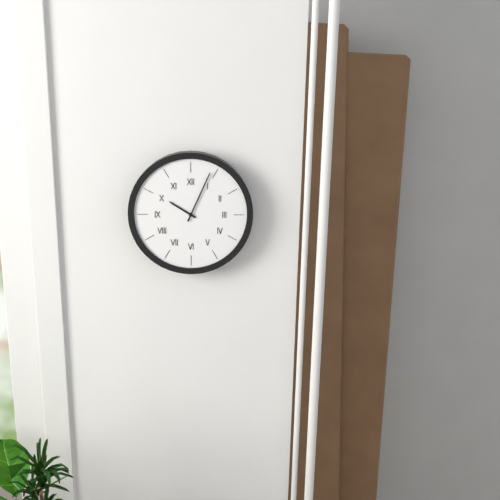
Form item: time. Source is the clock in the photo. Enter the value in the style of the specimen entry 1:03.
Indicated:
10:04
